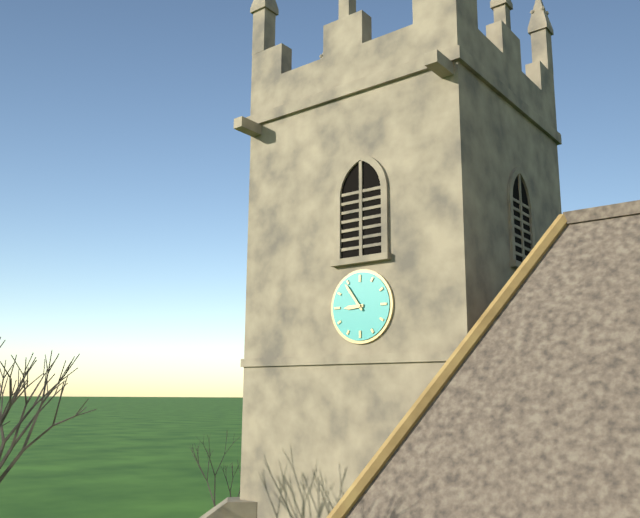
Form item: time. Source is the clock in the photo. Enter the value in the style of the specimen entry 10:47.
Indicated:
8:54
